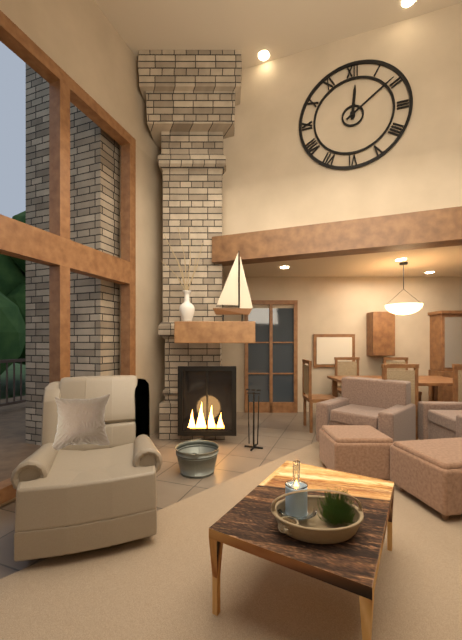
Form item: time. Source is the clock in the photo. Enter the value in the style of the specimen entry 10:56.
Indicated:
12:09
